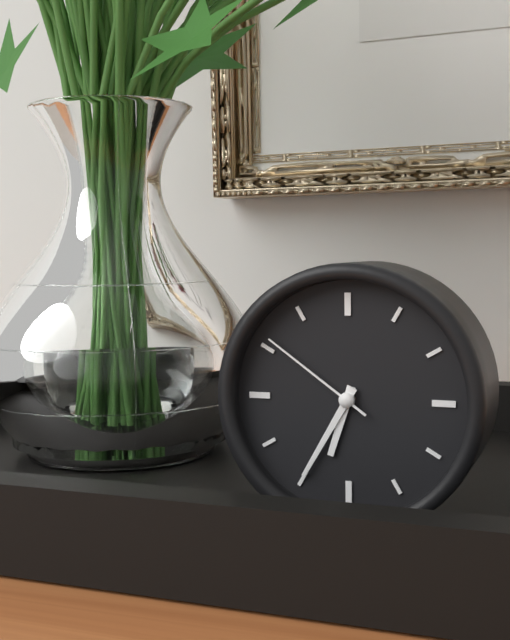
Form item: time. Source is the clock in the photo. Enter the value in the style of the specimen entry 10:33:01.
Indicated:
6:35:51
